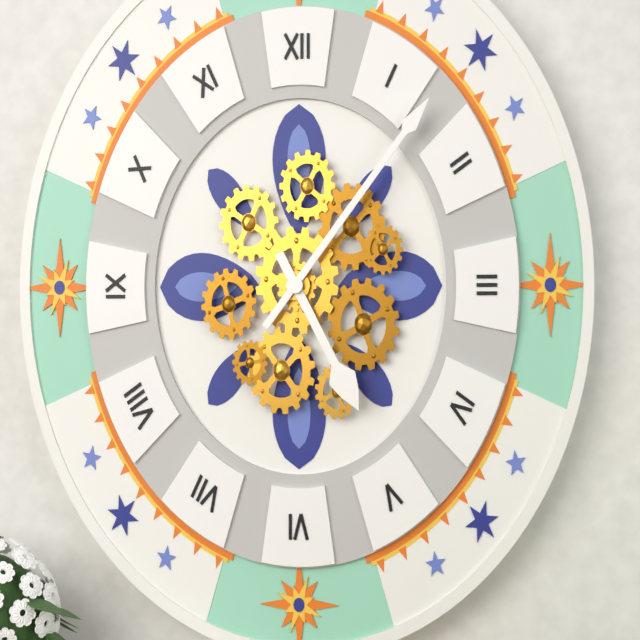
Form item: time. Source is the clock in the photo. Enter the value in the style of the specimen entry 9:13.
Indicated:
5:06
